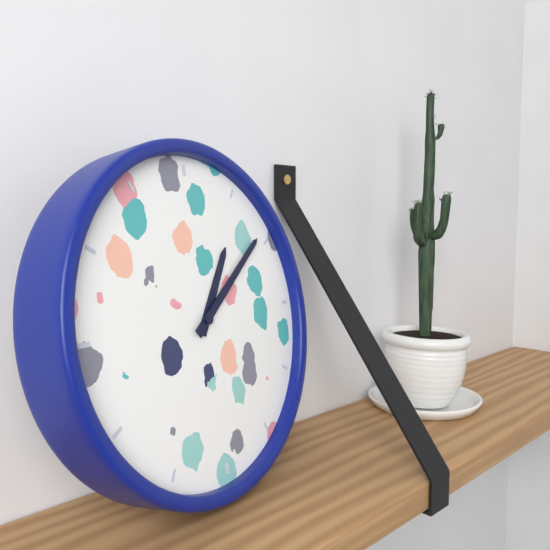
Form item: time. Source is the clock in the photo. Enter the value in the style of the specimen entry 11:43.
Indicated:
1:09
